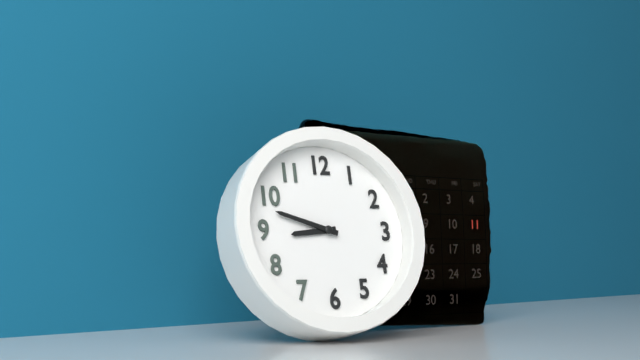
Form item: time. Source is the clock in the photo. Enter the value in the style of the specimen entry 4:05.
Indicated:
8:48
